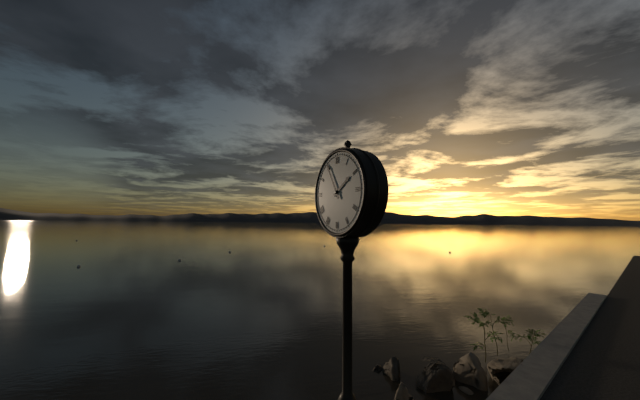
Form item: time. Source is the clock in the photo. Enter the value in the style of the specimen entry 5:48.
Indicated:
1:55
